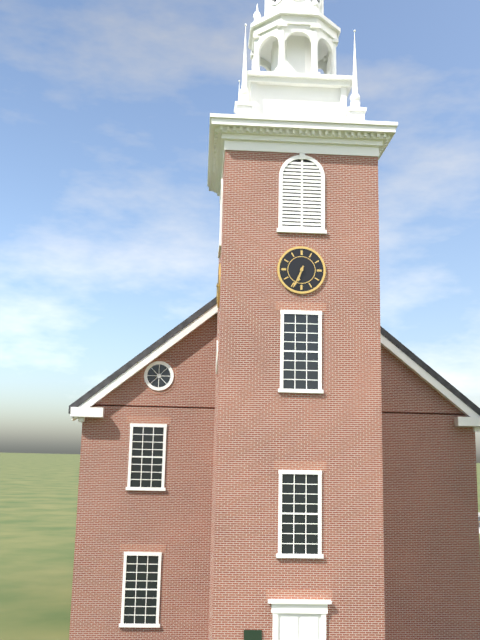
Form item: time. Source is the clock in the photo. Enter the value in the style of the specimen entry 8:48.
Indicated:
6:34
